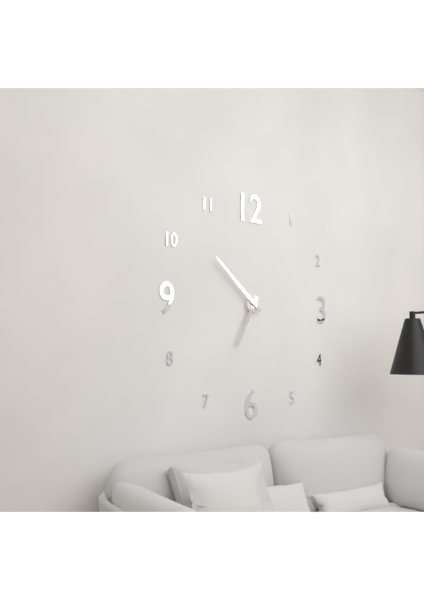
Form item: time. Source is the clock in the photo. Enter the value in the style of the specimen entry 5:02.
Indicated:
6:52
